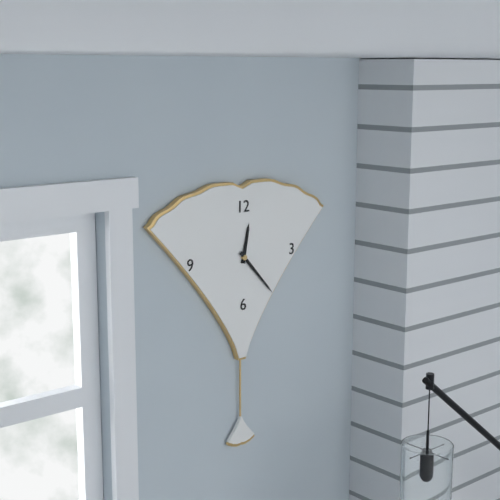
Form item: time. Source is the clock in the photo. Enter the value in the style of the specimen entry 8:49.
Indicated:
12:23
